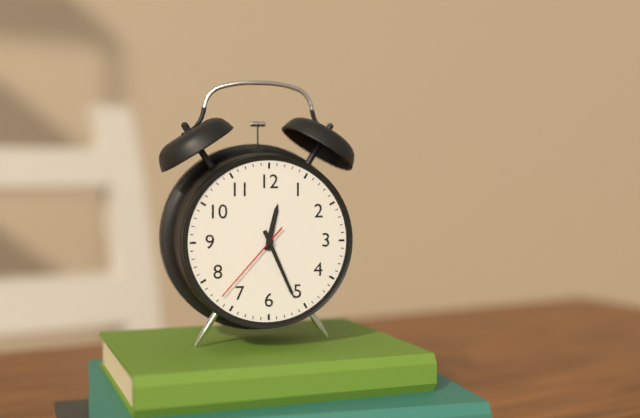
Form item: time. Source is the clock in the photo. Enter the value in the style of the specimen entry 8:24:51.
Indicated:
12:26:37
